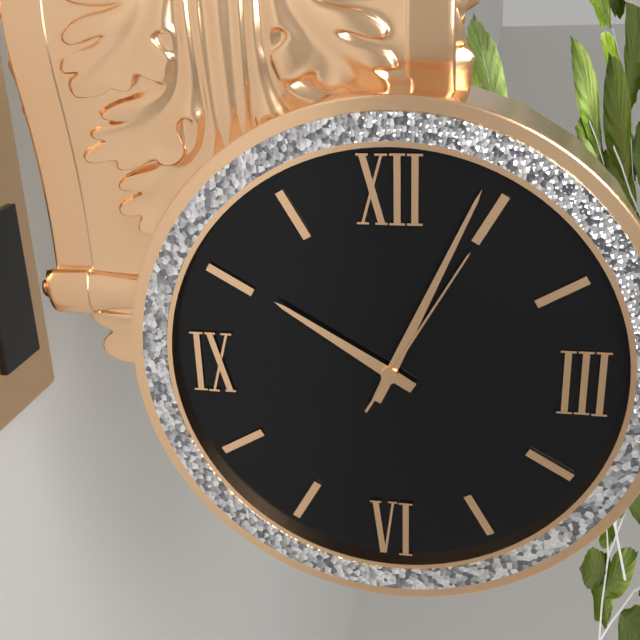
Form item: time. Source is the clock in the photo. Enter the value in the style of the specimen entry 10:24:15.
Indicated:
10:04:05
